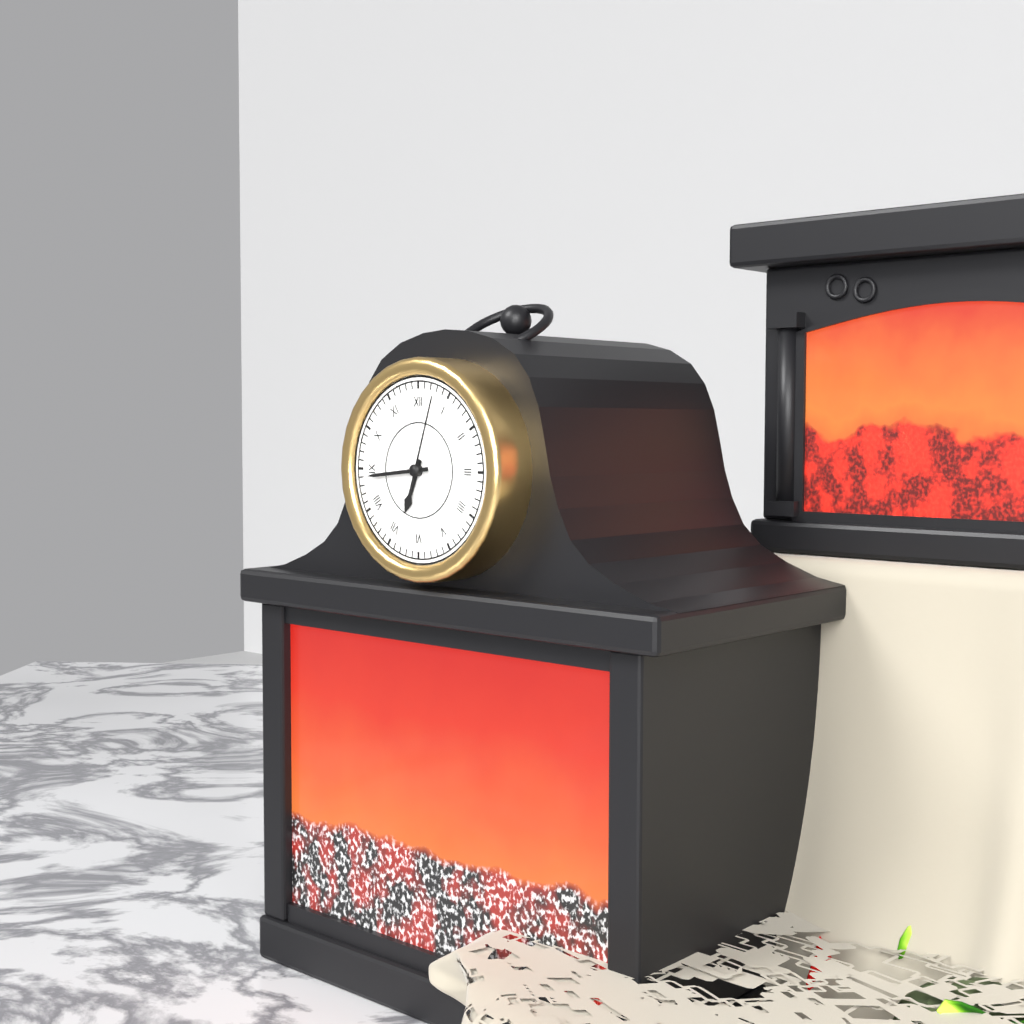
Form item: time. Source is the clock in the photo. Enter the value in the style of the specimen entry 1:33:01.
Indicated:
6:44:03
